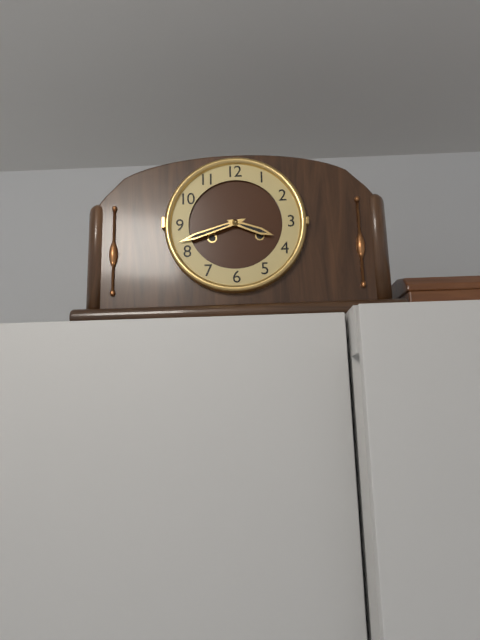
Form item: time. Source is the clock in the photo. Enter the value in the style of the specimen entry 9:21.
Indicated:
3:42
